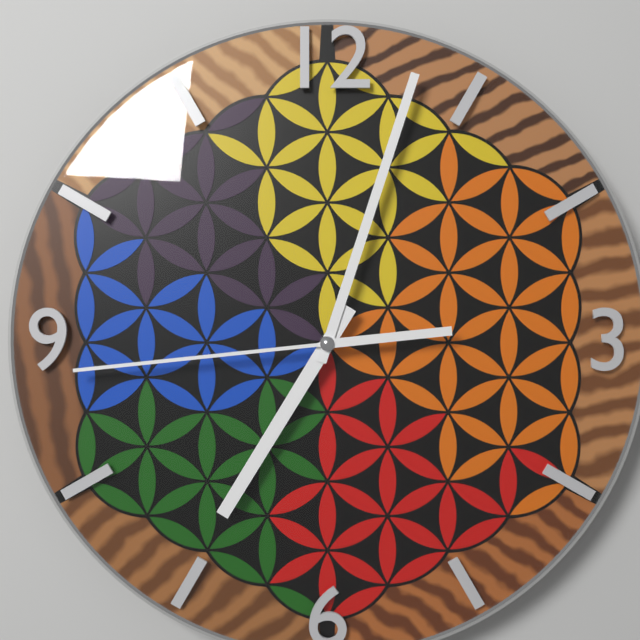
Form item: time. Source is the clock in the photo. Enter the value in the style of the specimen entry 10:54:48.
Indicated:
7:03:44
